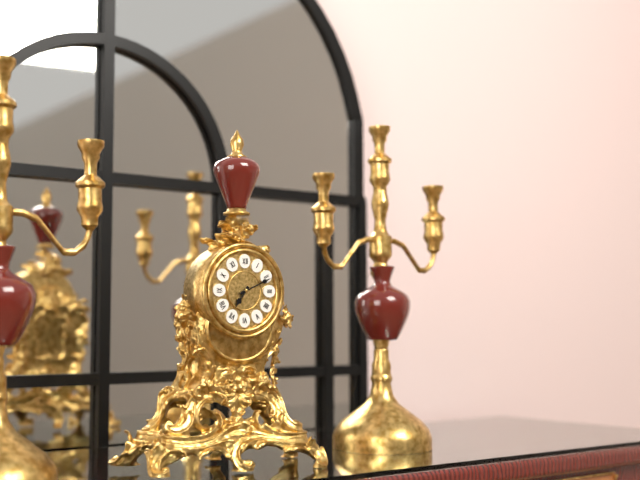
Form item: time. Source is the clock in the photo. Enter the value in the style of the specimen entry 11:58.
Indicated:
7:11
